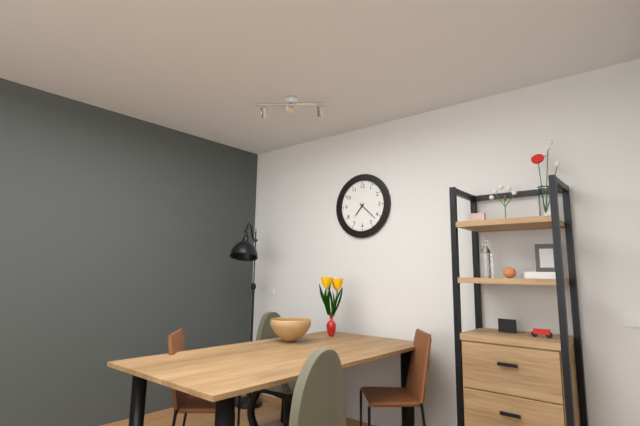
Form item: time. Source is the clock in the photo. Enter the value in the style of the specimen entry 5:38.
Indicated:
7:22
